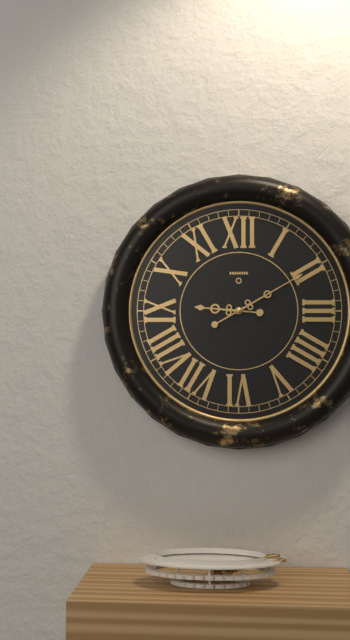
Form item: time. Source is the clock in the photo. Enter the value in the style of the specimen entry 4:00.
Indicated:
9:10
